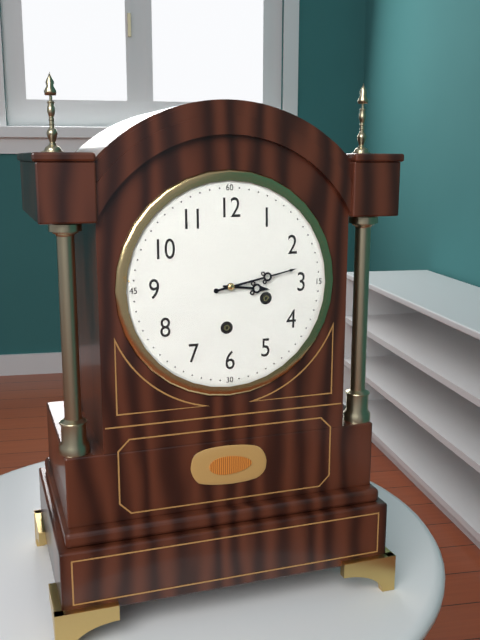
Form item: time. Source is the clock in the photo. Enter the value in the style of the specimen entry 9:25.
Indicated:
3:13
